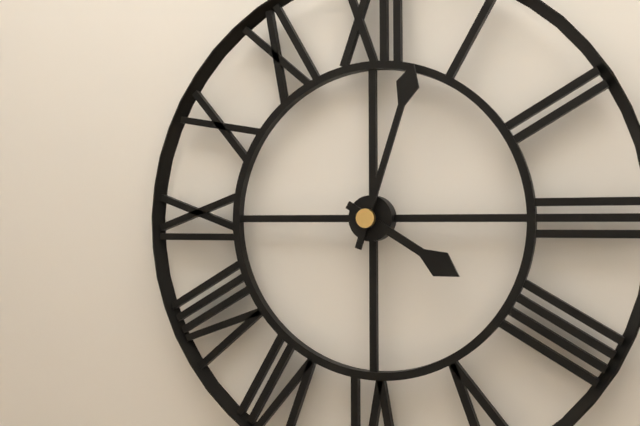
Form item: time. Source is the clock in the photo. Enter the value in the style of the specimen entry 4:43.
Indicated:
4:03
